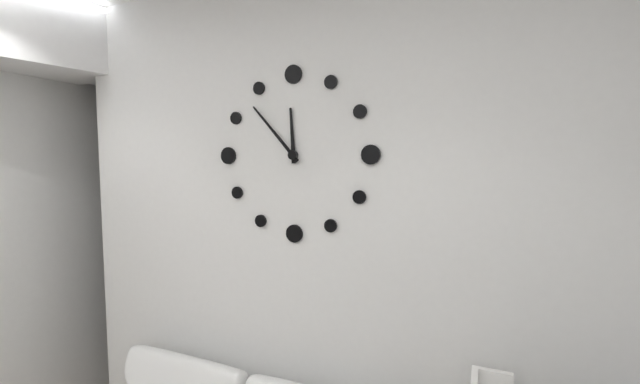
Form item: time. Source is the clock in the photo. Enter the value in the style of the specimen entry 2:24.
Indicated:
11:53
